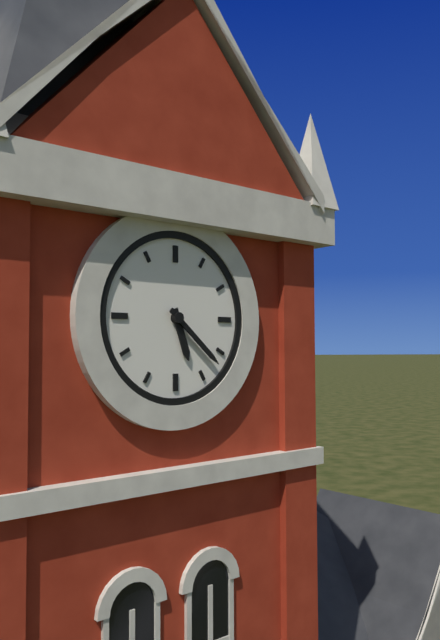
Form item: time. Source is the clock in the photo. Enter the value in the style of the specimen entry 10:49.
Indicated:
5:22
